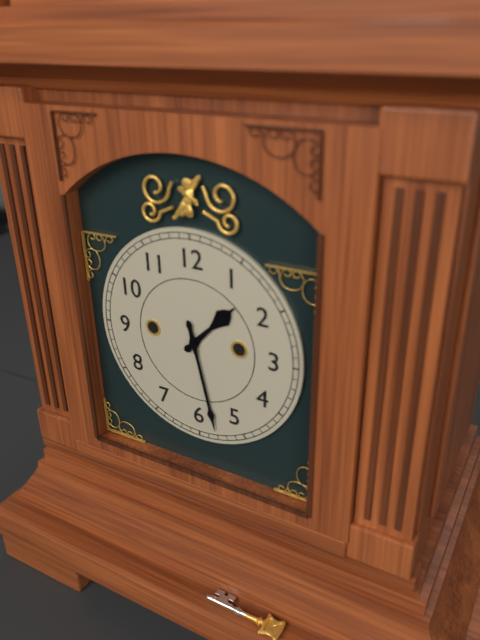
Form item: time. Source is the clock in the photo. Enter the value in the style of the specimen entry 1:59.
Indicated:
1:28
